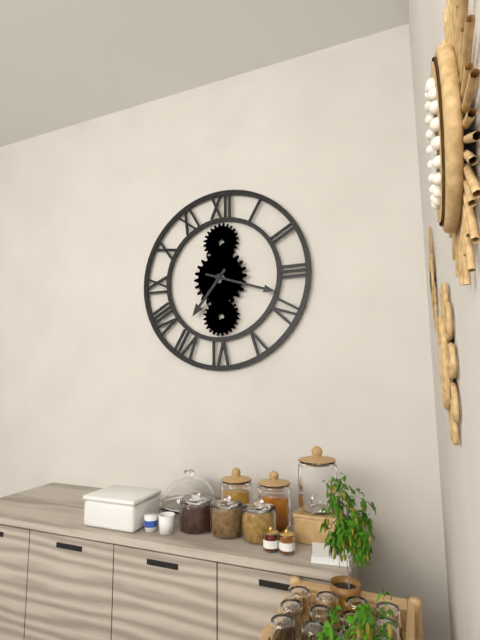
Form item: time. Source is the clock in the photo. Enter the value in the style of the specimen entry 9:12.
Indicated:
7:18
